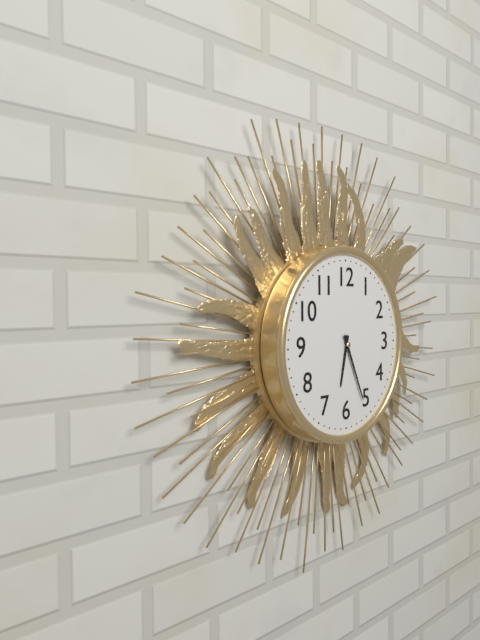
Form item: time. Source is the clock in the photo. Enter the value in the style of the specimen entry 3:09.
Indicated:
6:26
